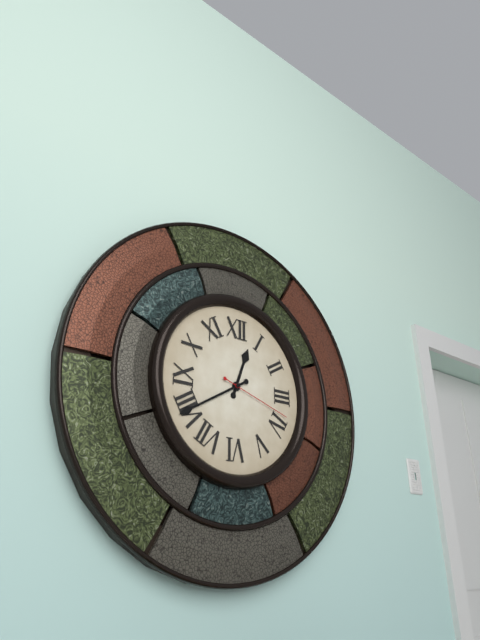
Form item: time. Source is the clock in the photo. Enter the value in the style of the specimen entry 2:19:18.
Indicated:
12:40:18
